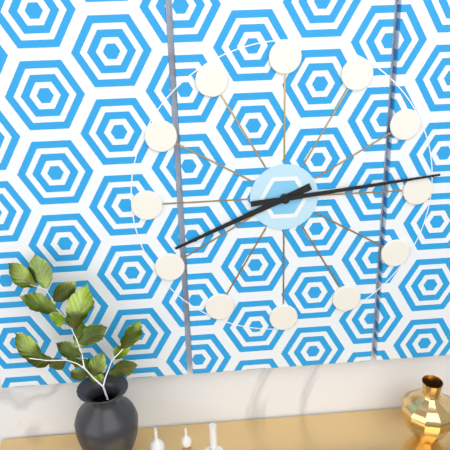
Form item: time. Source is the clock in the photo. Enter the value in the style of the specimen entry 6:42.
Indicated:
8:14
